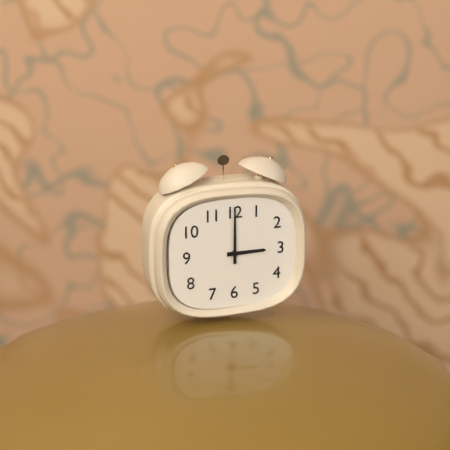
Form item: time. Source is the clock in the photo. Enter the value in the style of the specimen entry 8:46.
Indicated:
3:00
